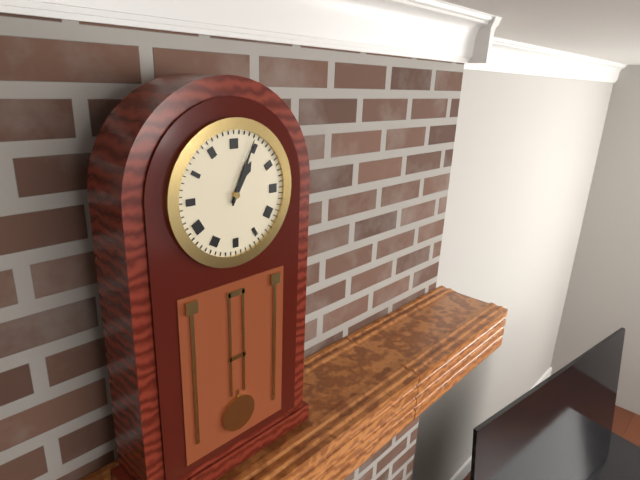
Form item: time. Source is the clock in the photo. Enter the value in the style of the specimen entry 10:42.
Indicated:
1:04
